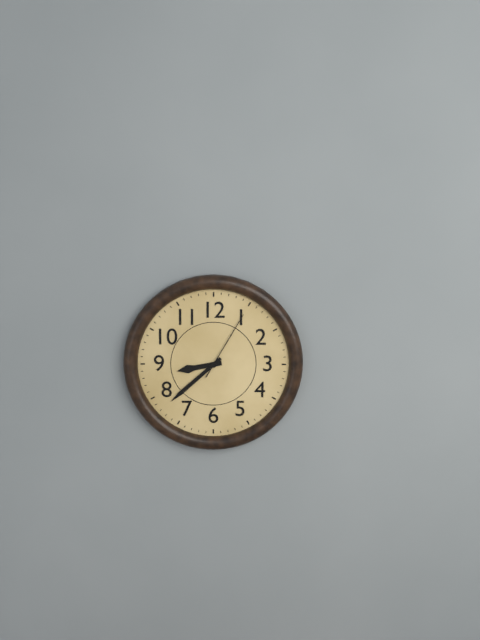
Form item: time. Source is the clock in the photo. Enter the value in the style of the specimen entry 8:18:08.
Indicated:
8:38:05
